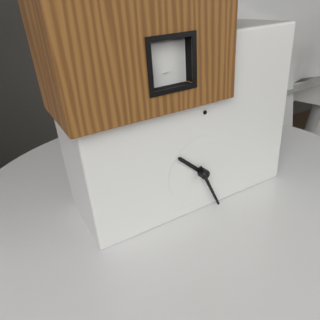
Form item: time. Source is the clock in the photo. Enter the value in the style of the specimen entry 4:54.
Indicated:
10:26
